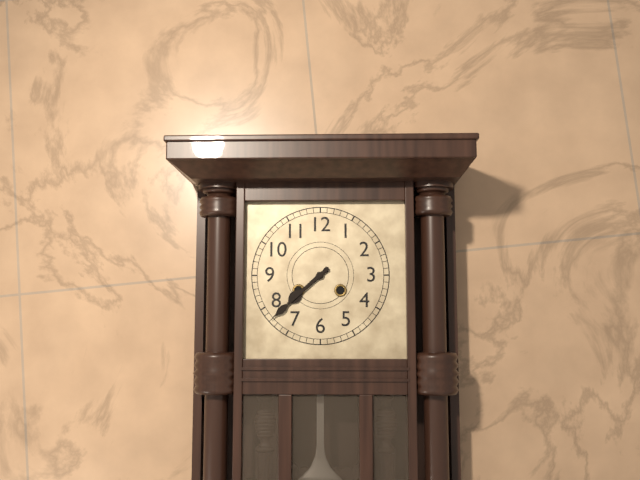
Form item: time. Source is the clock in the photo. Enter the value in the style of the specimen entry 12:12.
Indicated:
7:38
